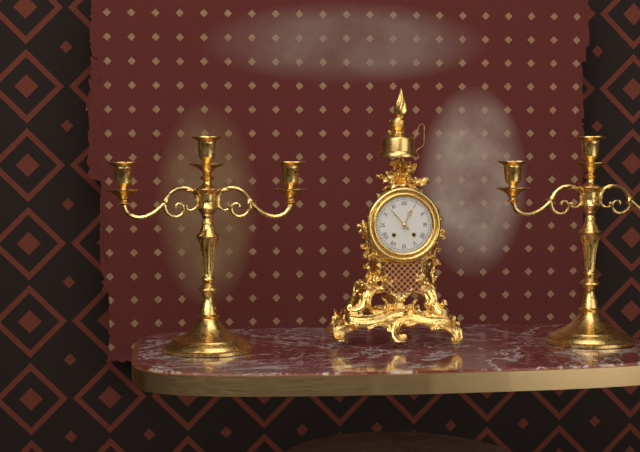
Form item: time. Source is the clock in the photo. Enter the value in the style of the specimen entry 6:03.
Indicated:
12:53
